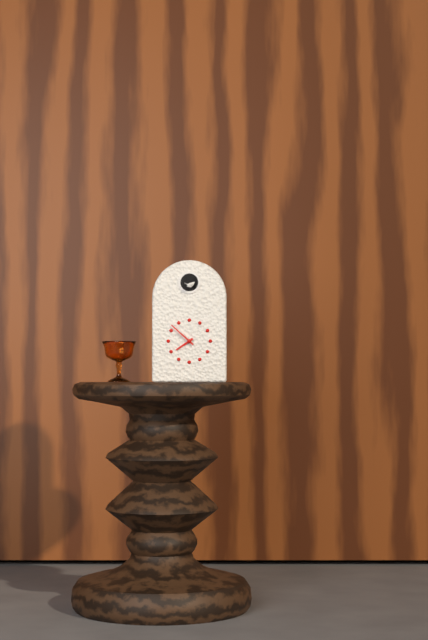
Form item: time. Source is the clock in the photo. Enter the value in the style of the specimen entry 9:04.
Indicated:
7:52
